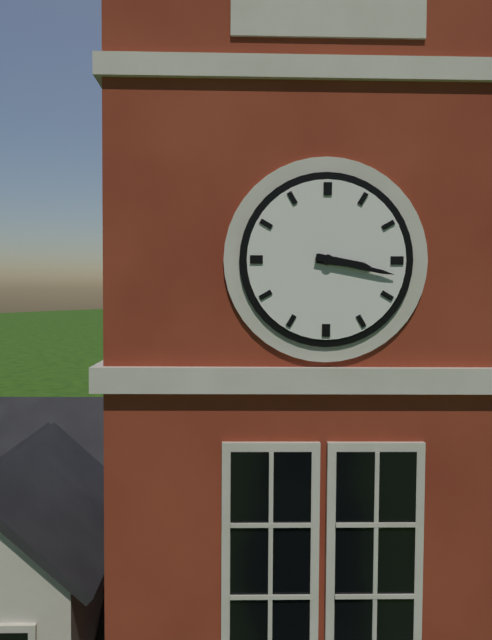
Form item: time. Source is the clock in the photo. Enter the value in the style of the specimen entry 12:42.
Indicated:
3:17
